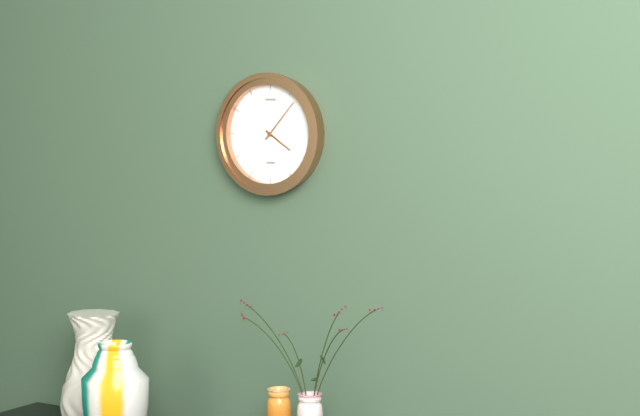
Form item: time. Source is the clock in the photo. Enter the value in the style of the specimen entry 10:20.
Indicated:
4:07
